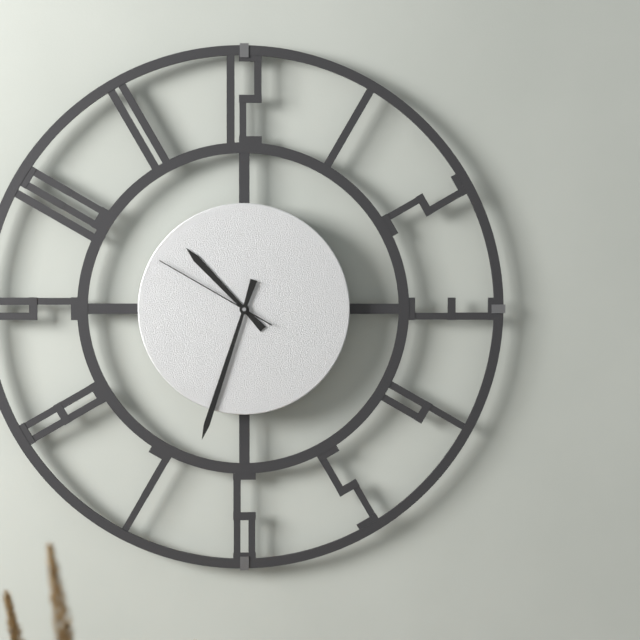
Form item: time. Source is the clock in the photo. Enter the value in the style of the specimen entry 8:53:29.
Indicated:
10:33:50
